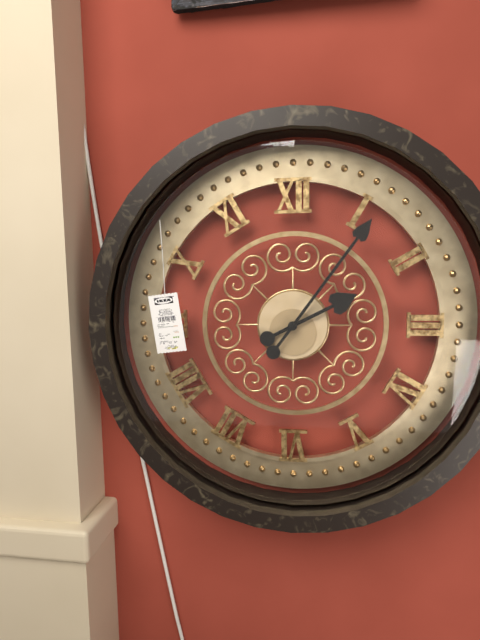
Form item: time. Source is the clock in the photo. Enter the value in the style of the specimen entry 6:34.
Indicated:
2:06
